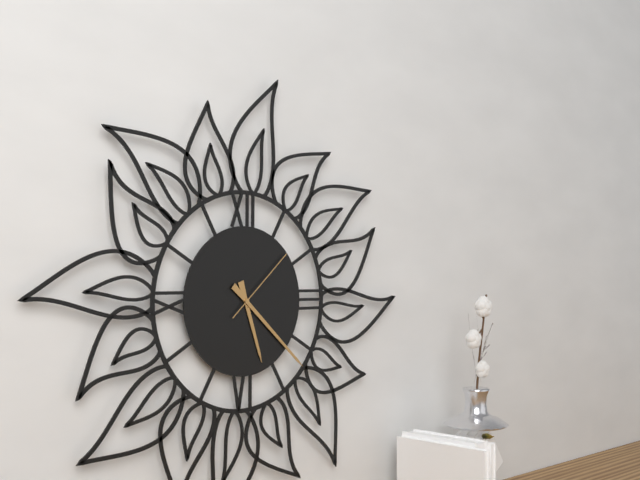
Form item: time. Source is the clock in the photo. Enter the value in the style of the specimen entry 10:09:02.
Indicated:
5:22:08
